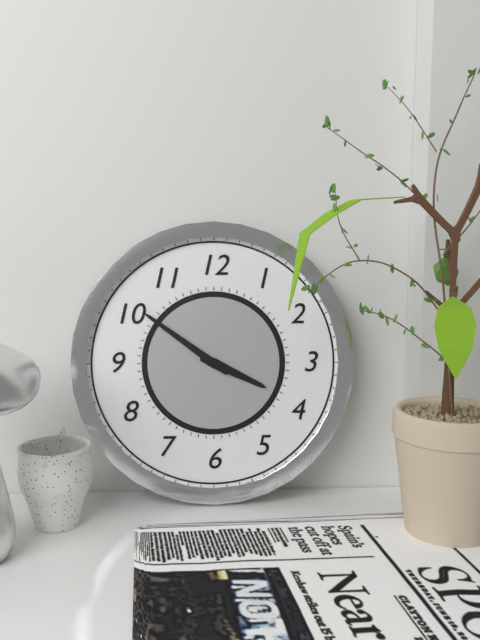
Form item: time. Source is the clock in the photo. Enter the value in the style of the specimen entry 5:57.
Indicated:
3:51
